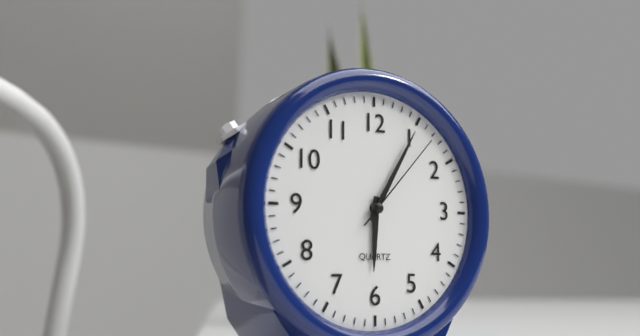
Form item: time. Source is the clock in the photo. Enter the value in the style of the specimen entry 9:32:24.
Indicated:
6:05:07
